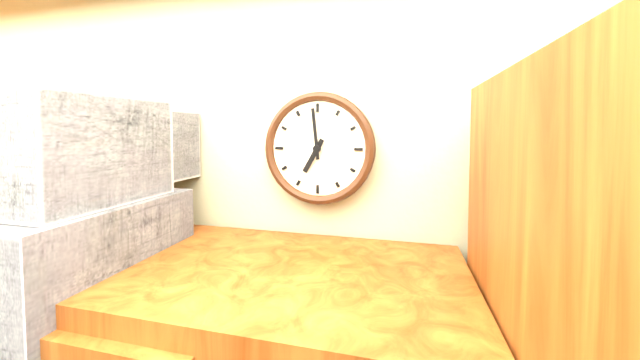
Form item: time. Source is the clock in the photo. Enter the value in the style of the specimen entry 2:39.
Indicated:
6:59
